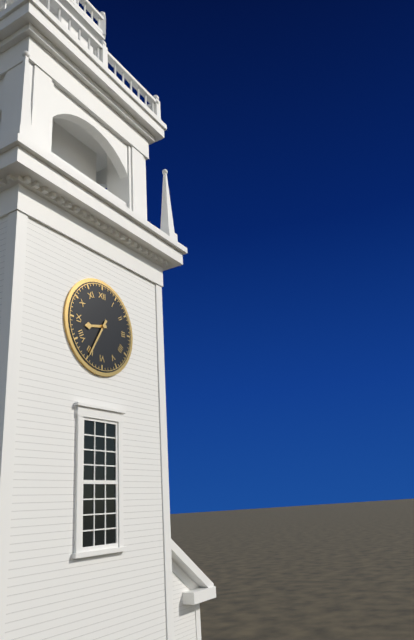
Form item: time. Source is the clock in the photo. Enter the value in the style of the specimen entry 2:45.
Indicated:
8:35
